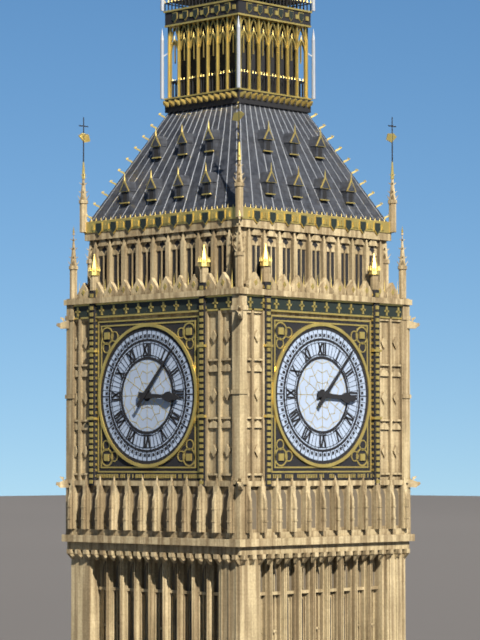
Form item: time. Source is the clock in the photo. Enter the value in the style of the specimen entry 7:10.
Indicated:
3:07
